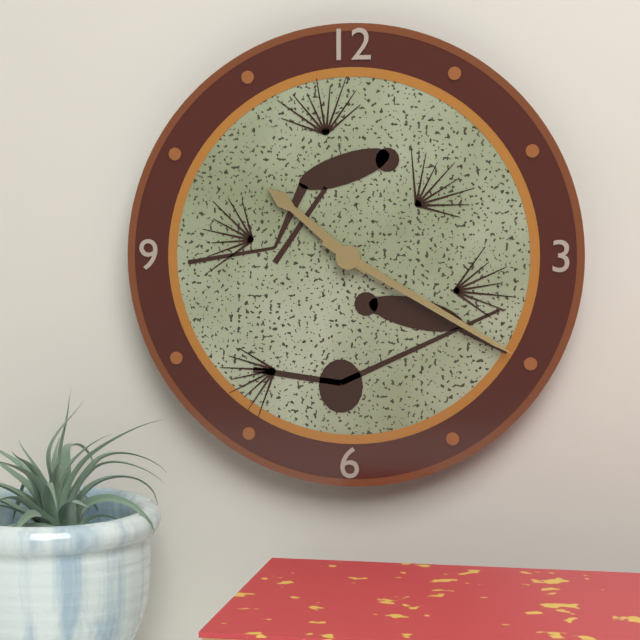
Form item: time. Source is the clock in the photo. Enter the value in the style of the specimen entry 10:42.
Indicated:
10:20
